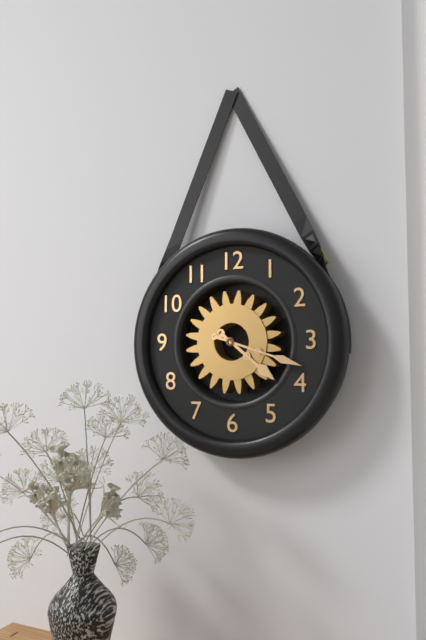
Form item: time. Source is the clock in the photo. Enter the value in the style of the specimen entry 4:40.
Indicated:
4:18
